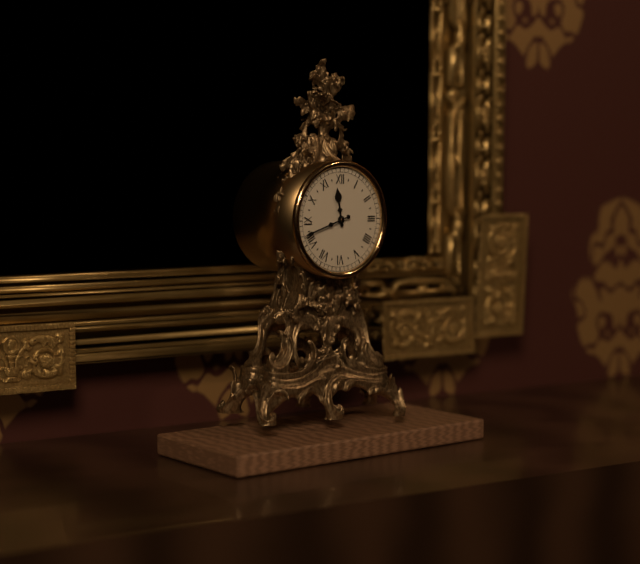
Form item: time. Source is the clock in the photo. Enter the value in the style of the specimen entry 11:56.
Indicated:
11:42
